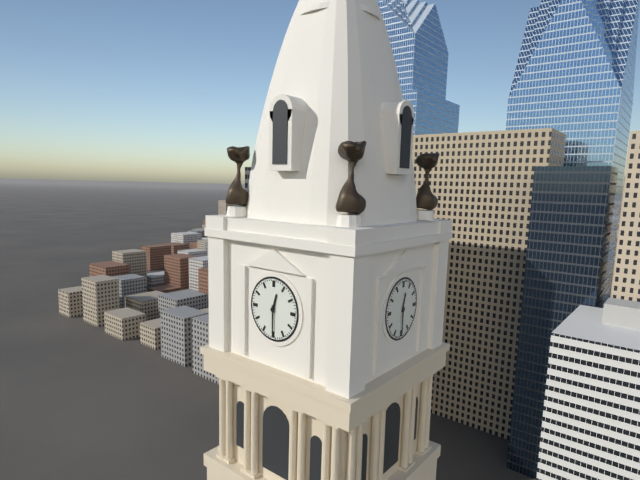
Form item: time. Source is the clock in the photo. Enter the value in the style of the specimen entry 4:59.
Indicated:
12:30
